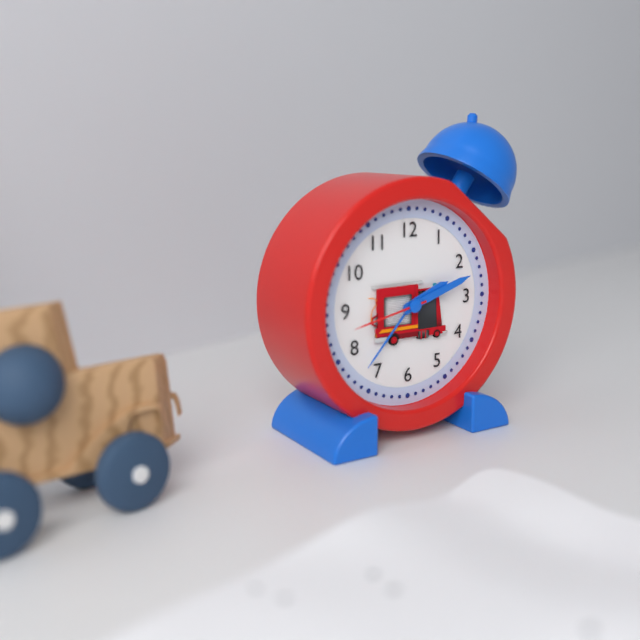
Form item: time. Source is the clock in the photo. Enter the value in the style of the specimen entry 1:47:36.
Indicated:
2:12:43
